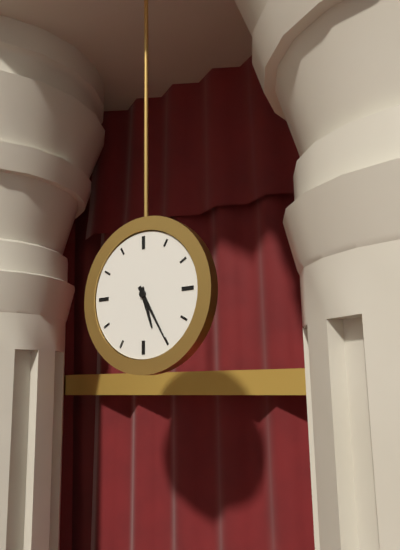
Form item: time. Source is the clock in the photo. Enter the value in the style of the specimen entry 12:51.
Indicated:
5:25
